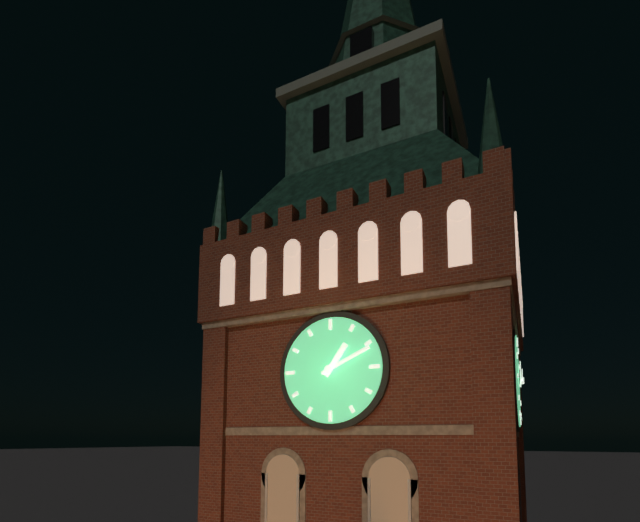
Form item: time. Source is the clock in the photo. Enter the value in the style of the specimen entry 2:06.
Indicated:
1:11
